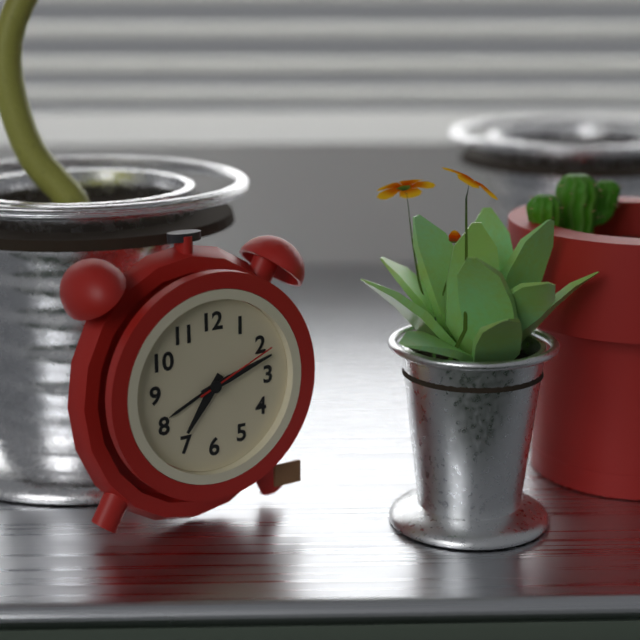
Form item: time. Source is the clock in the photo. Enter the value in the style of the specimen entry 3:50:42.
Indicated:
7:12:11
